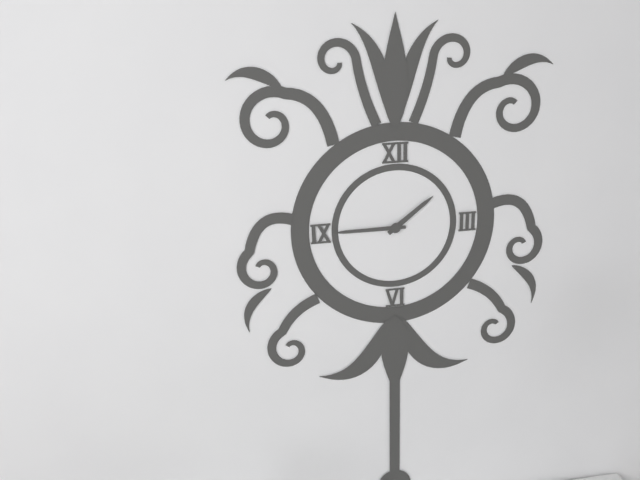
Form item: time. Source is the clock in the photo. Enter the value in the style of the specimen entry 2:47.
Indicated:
1:45
